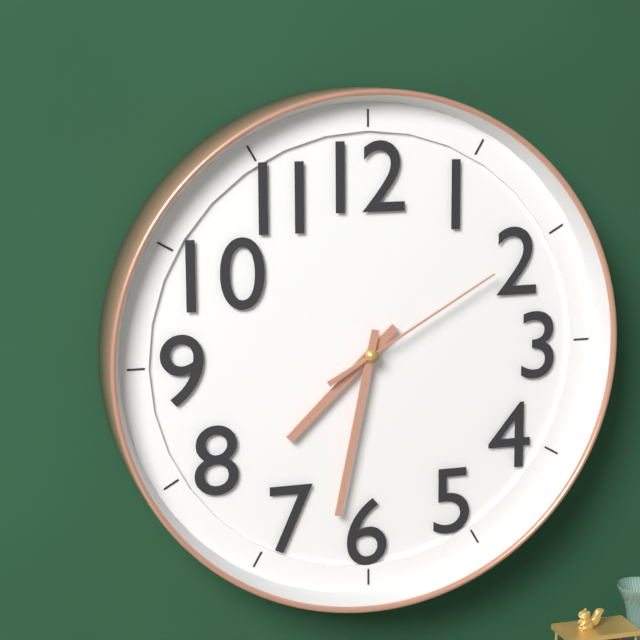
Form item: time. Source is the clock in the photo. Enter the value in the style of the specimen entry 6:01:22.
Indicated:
7:32:10
